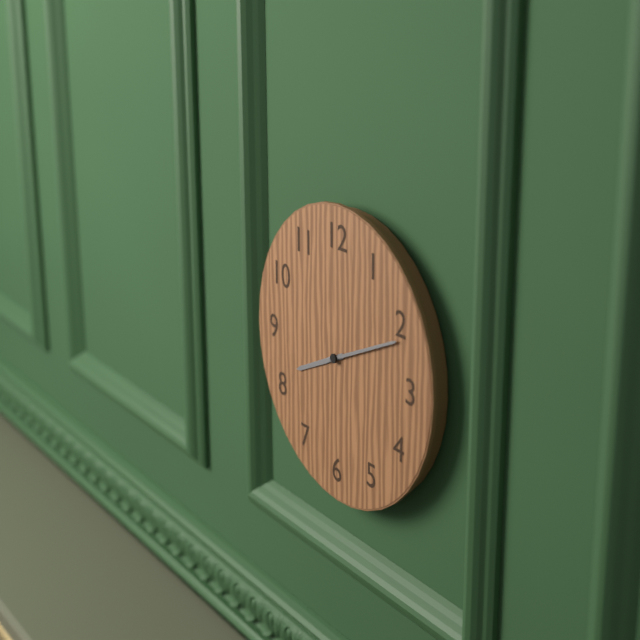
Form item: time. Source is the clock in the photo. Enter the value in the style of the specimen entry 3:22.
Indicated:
8:11
